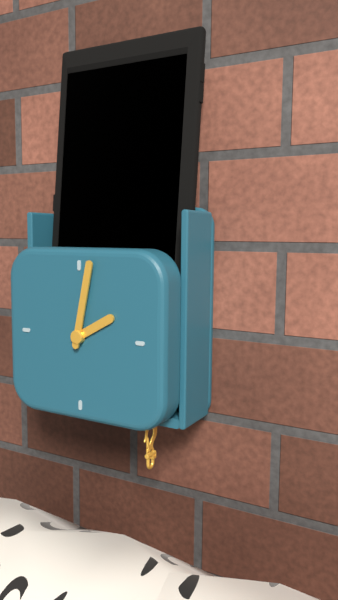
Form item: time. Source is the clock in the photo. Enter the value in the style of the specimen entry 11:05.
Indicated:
2:02
